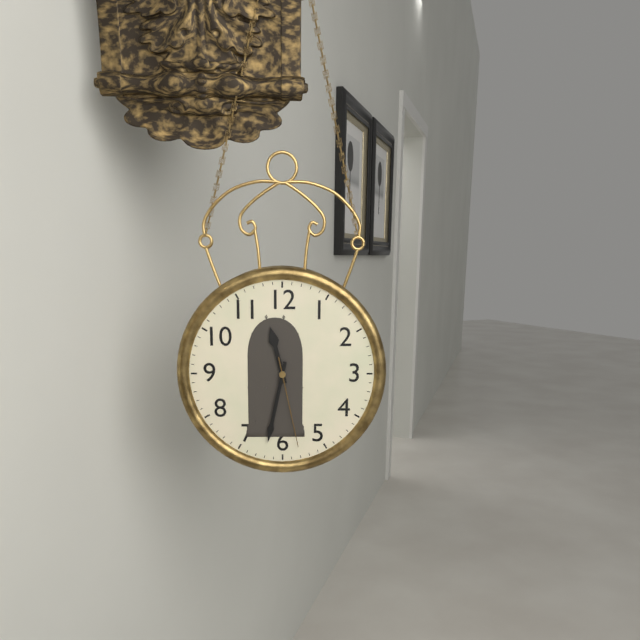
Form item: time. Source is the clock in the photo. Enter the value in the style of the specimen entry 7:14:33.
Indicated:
11:32:28
